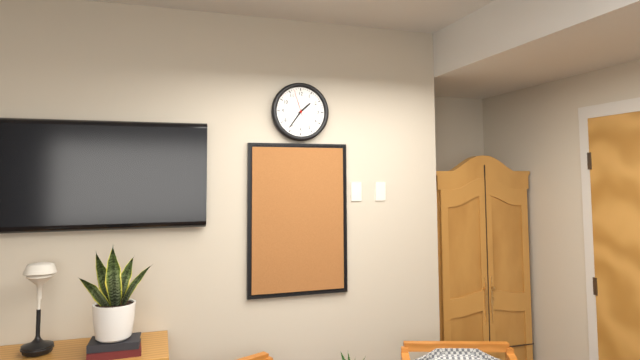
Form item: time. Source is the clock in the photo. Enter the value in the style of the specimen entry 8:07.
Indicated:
1:36
